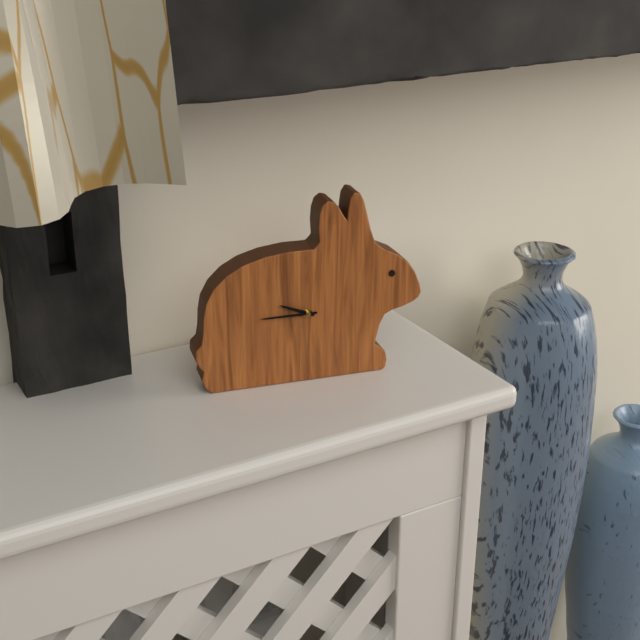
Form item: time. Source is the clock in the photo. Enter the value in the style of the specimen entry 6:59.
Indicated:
9:45
